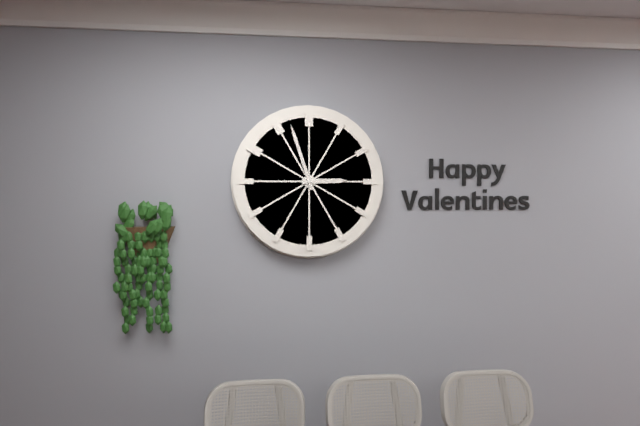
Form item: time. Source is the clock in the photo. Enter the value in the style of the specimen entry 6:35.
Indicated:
2:57
